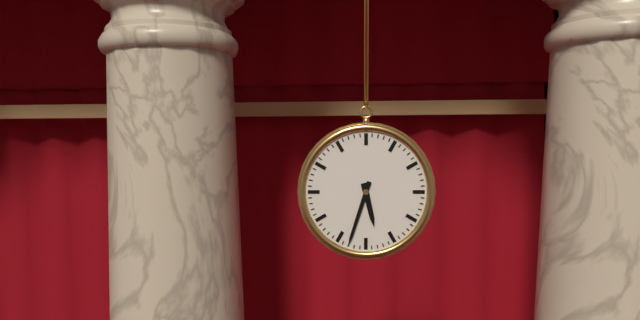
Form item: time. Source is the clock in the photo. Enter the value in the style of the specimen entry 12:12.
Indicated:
5:33
